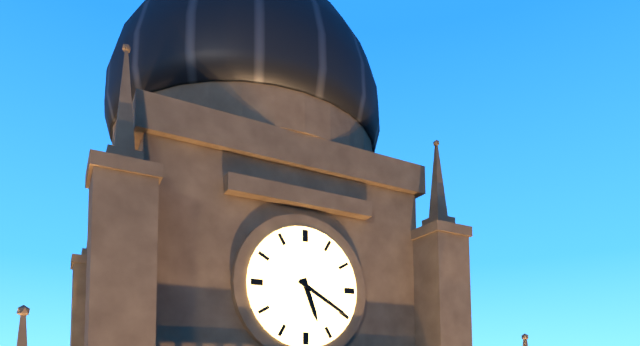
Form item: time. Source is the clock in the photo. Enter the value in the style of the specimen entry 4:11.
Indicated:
5:20
